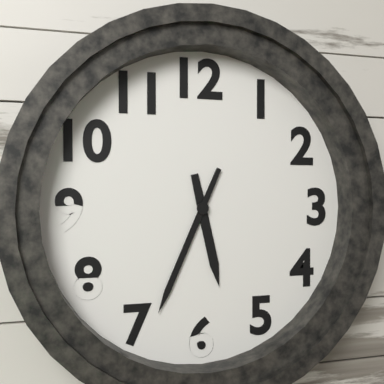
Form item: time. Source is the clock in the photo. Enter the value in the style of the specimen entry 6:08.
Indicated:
5:34
